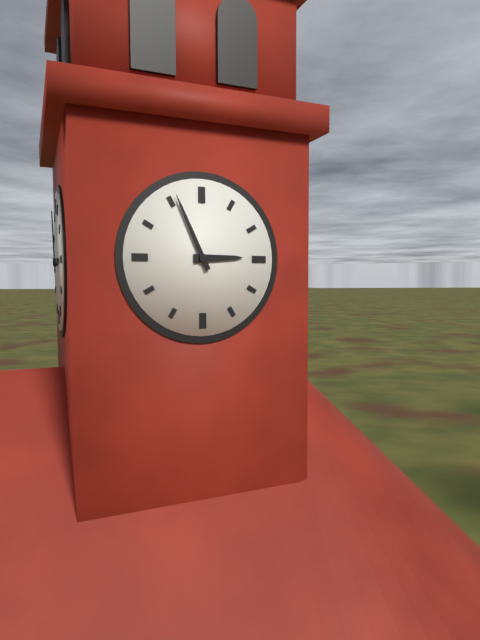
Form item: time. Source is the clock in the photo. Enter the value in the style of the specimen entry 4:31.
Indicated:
2:56
